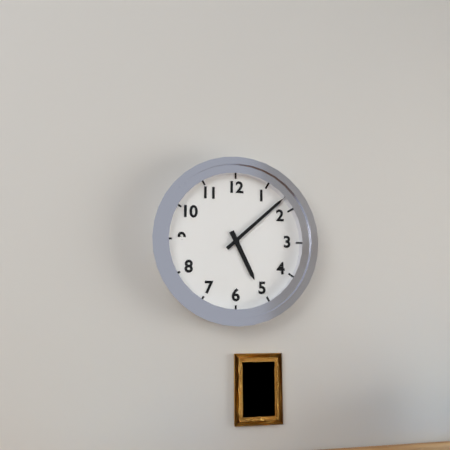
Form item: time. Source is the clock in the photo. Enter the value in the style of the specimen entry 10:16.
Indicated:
5:08
